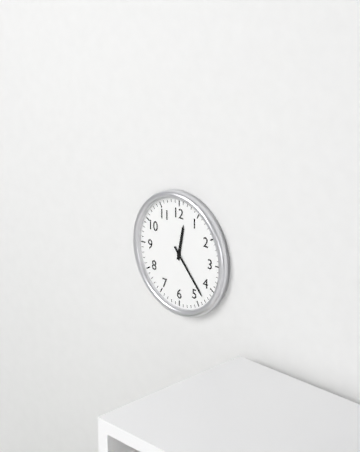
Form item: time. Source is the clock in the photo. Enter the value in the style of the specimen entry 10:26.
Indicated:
12:23
